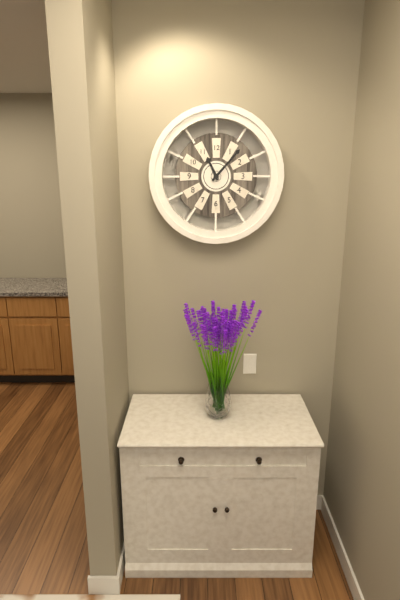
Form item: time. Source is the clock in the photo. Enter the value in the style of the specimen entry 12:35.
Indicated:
11:07
